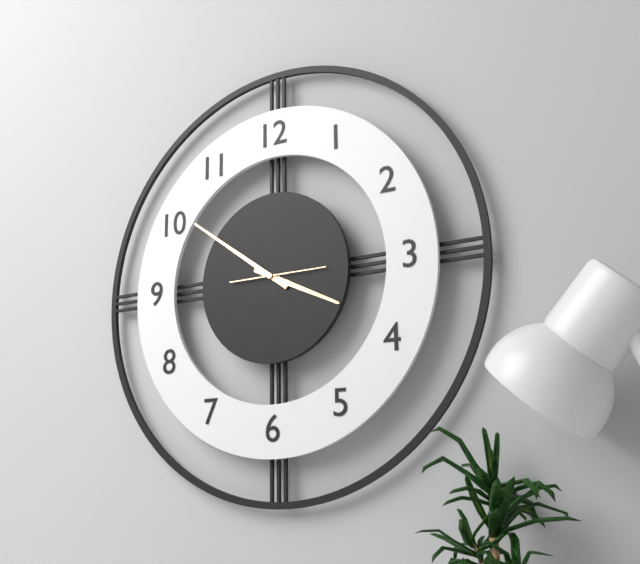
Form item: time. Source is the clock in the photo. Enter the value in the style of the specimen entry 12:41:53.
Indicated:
3:51:15
